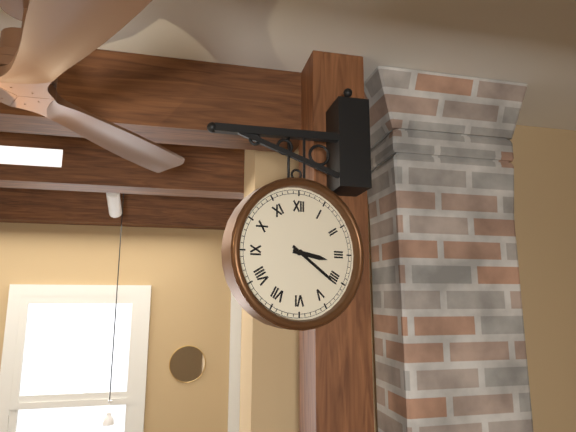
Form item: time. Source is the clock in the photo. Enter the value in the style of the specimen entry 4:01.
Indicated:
3:21
